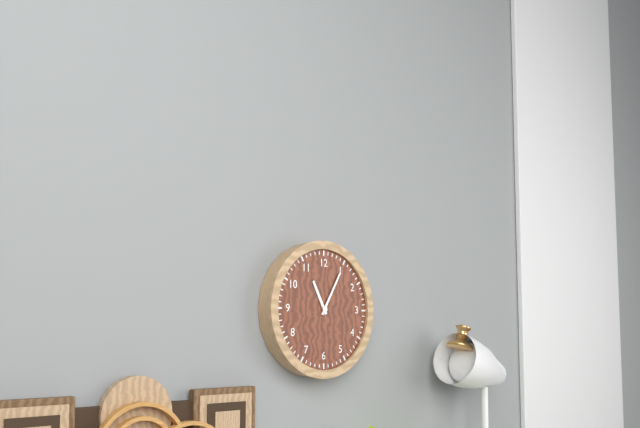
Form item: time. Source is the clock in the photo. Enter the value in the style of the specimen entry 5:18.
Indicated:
11:05
